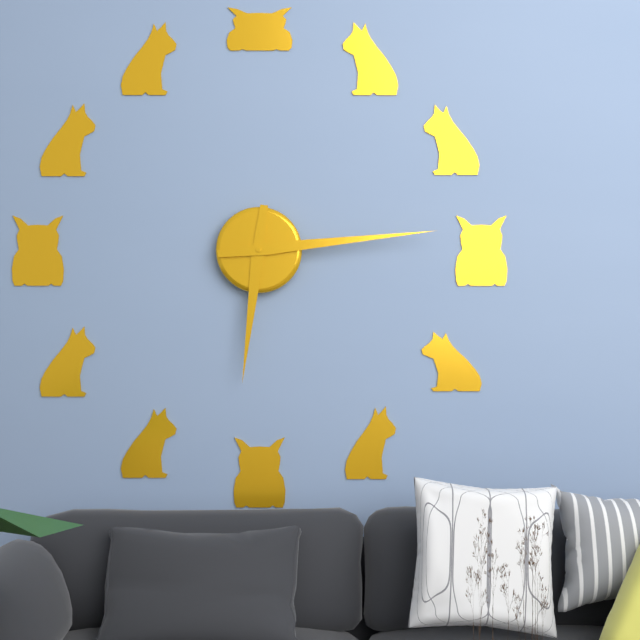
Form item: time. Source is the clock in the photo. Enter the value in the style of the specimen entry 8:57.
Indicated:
6:14
